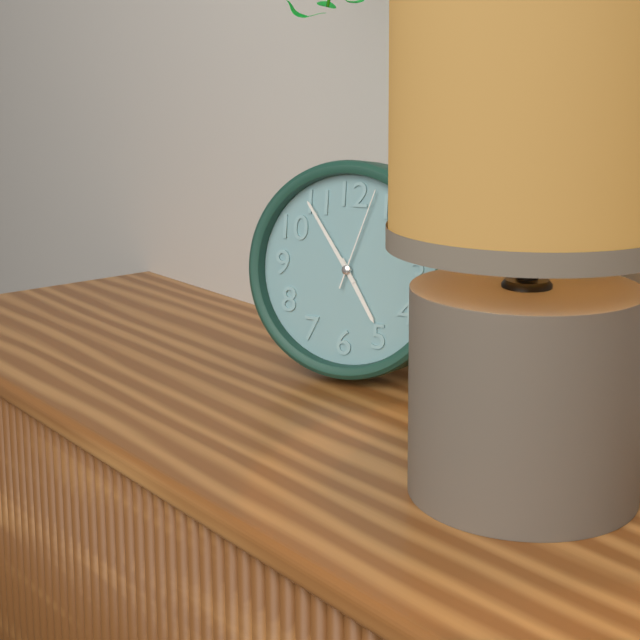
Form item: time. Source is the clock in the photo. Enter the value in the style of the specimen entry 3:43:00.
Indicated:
4:54:03
